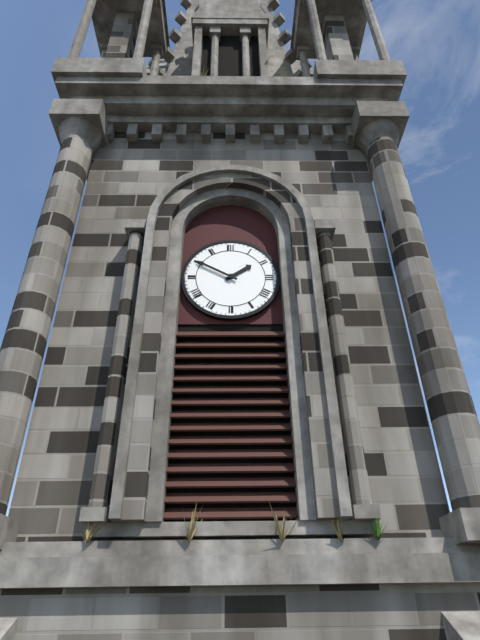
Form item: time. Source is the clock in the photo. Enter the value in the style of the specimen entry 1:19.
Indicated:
1:50
